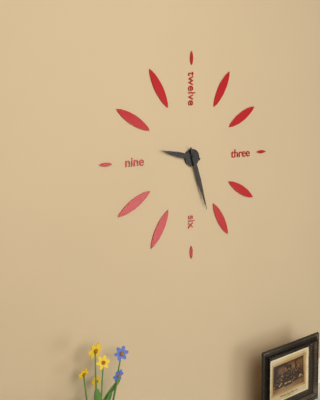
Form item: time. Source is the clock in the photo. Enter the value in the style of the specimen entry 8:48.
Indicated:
9:27
